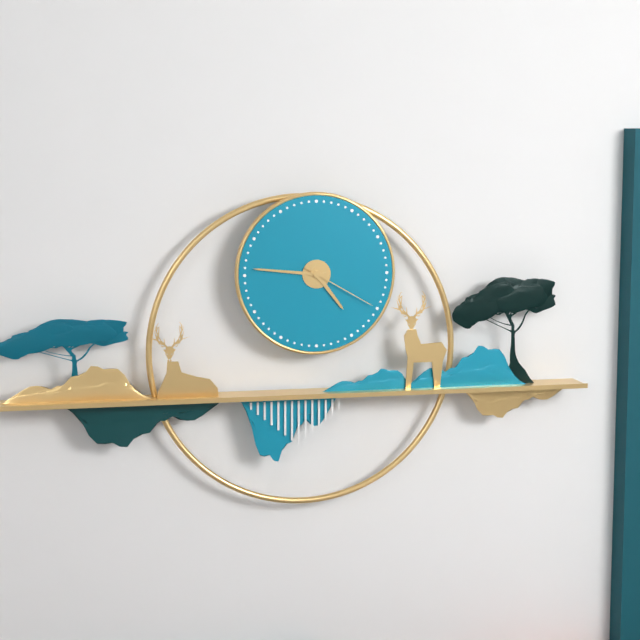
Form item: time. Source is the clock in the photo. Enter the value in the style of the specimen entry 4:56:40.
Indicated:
4:46:20
